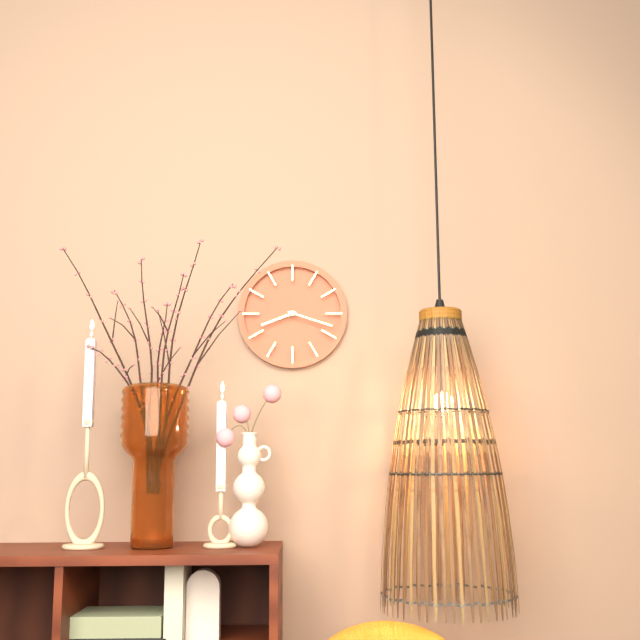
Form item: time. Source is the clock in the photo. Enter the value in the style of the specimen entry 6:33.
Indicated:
8:18
